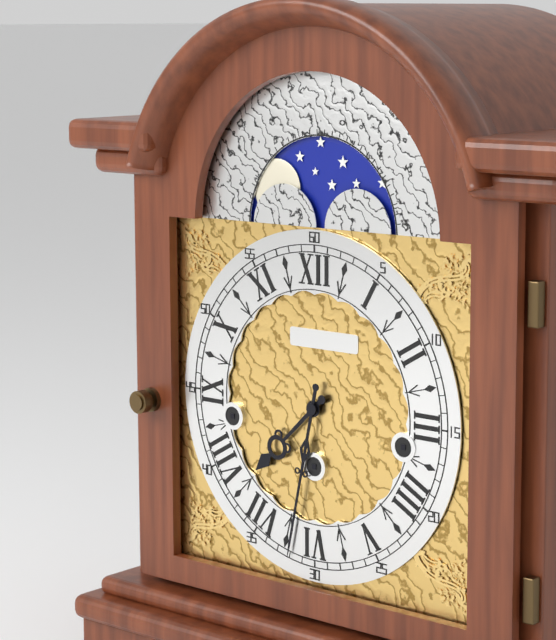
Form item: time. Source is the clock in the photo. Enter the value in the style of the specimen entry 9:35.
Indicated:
7:32
